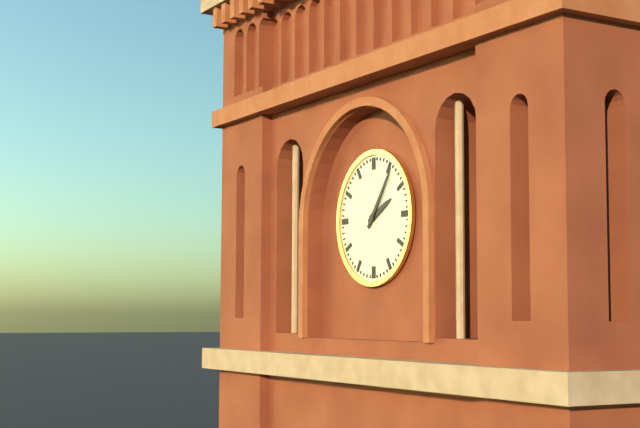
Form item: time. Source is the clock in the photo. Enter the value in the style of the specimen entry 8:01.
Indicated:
2:06
